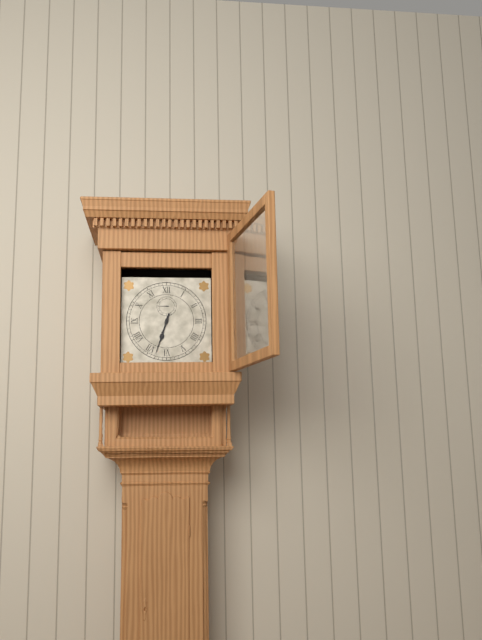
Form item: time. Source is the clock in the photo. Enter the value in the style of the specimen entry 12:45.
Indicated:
6:33
